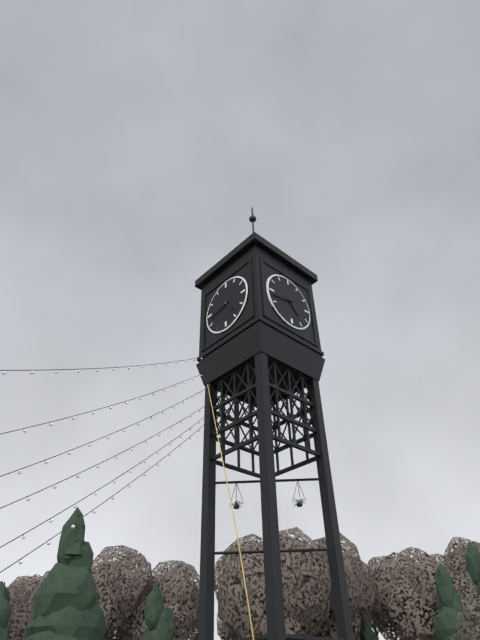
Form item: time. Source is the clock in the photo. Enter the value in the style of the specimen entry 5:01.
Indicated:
4:43
